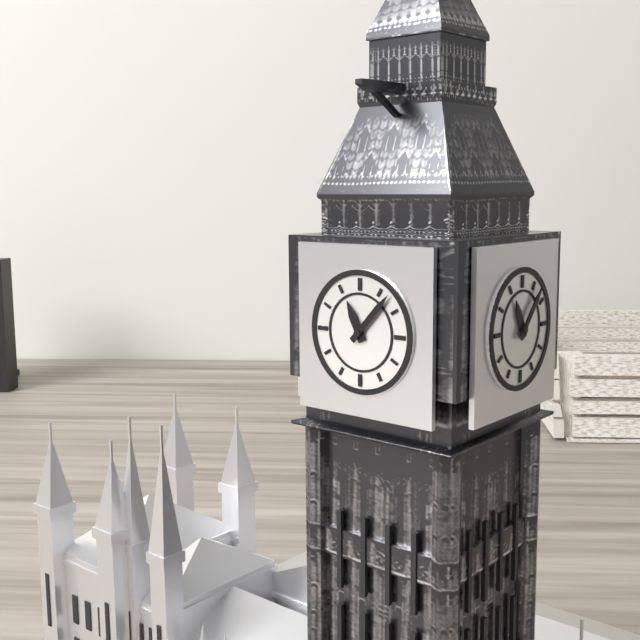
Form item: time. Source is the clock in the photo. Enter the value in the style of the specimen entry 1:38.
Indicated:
11:07
